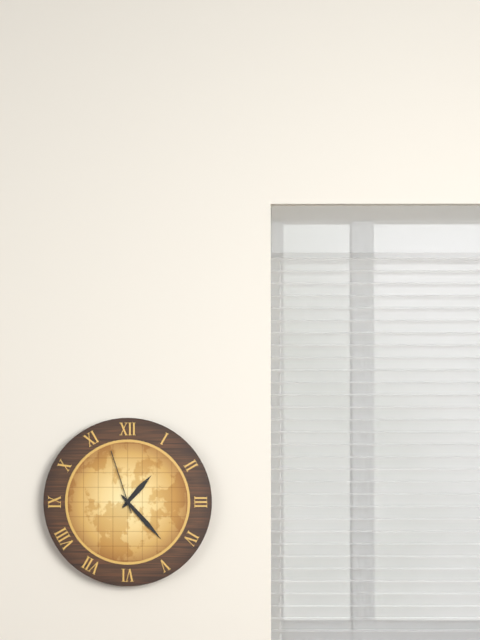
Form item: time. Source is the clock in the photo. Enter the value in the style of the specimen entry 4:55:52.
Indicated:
1:23:57
